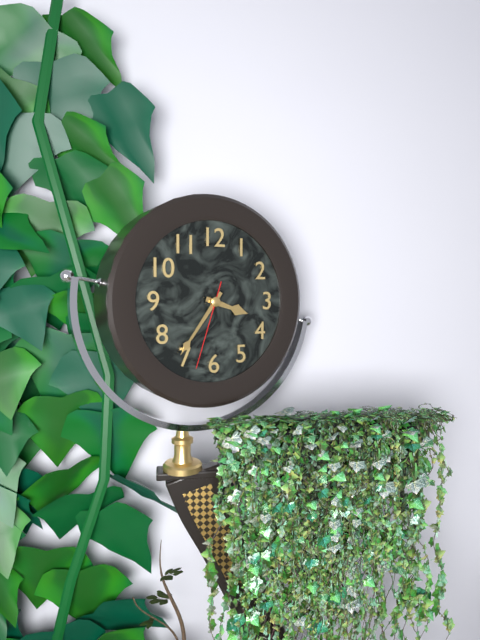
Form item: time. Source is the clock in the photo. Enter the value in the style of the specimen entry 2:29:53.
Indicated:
3:36:33
